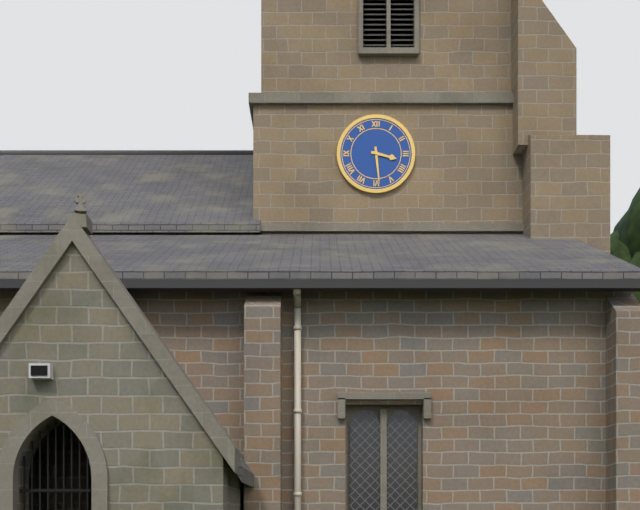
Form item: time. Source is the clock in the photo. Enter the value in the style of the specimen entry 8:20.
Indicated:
3:29
